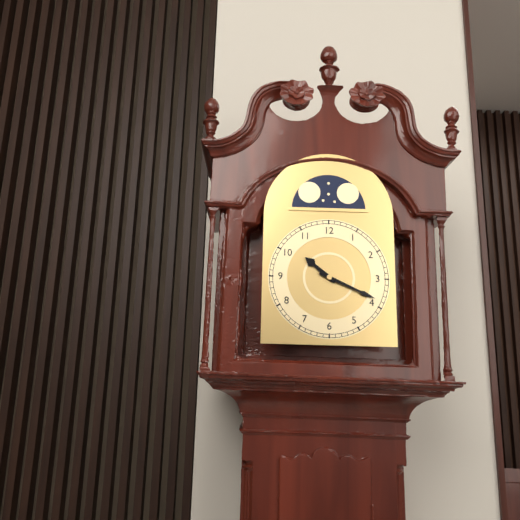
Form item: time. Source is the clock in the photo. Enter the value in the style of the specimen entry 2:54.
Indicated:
10:19
